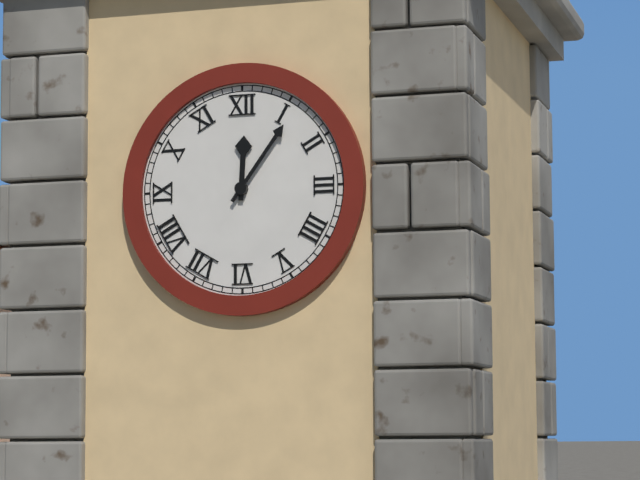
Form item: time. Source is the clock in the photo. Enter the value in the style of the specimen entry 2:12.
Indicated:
12:06
